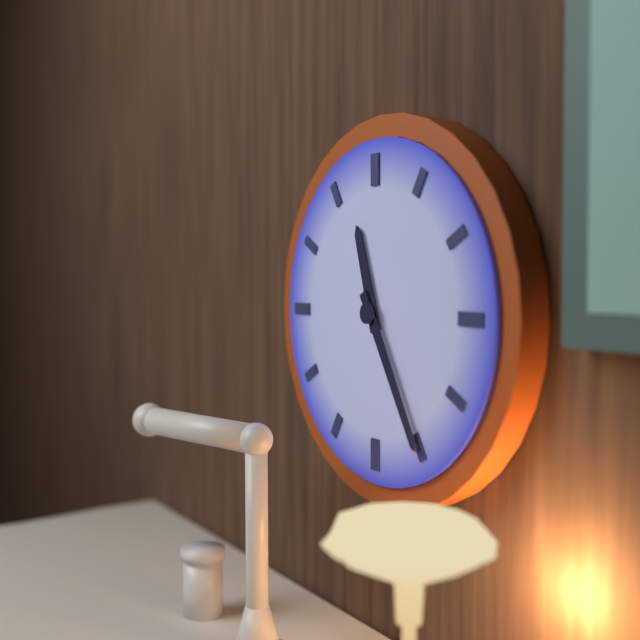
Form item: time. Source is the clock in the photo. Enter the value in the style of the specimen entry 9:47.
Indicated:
11:25
